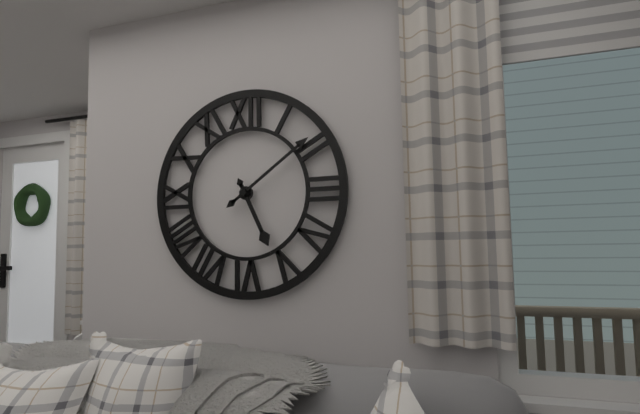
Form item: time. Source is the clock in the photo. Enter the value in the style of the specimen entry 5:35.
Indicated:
5:09
